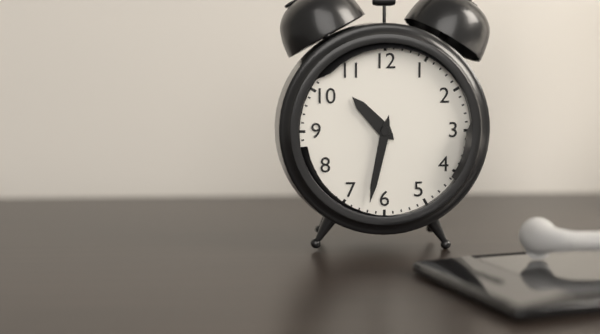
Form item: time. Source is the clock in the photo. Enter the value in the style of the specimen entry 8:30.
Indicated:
10:32
